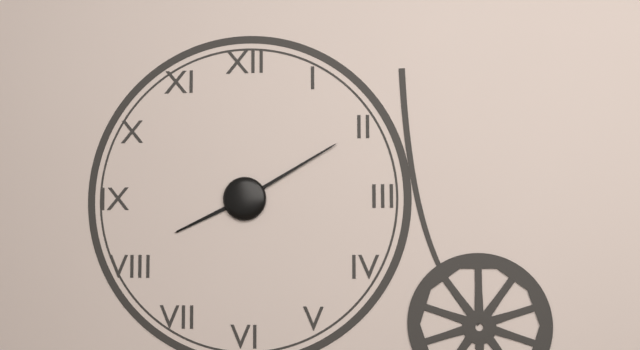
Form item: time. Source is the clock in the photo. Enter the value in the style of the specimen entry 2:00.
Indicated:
8:10
